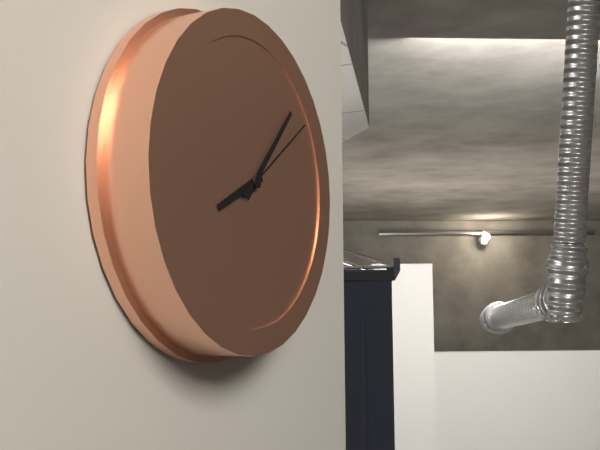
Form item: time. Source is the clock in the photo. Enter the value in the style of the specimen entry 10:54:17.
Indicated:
8:07:09
